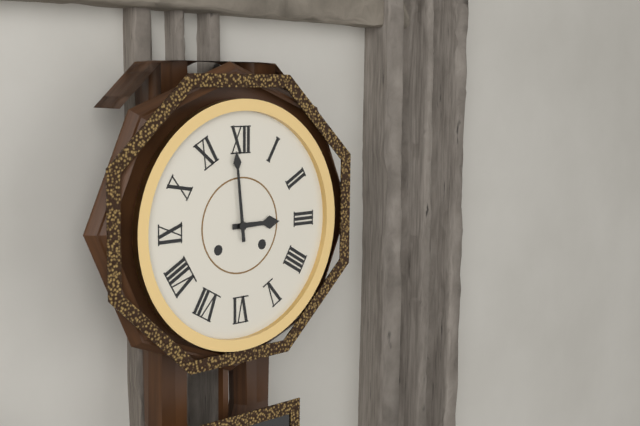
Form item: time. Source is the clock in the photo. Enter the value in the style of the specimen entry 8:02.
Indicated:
2:59
